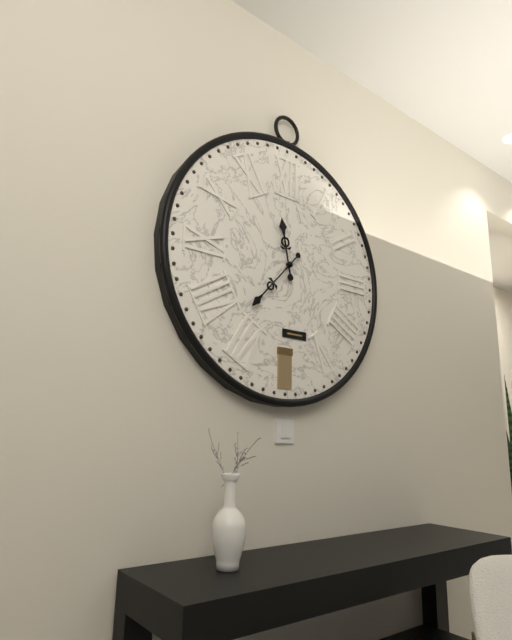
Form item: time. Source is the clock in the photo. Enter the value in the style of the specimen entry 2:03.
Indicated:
11:37
